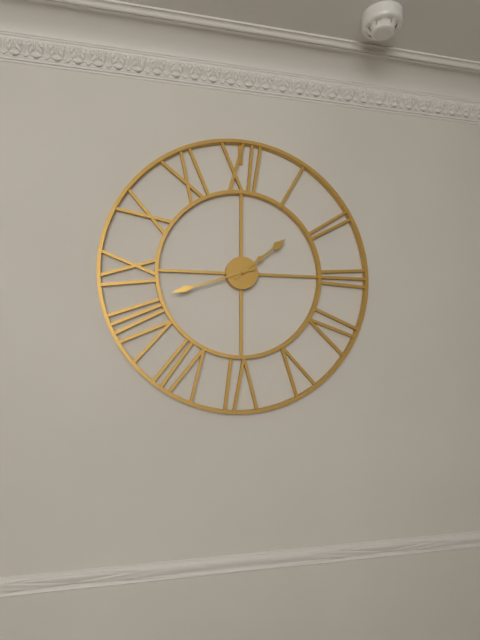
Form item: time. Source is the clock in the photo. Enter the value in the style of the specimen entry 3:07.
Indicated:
1:42
